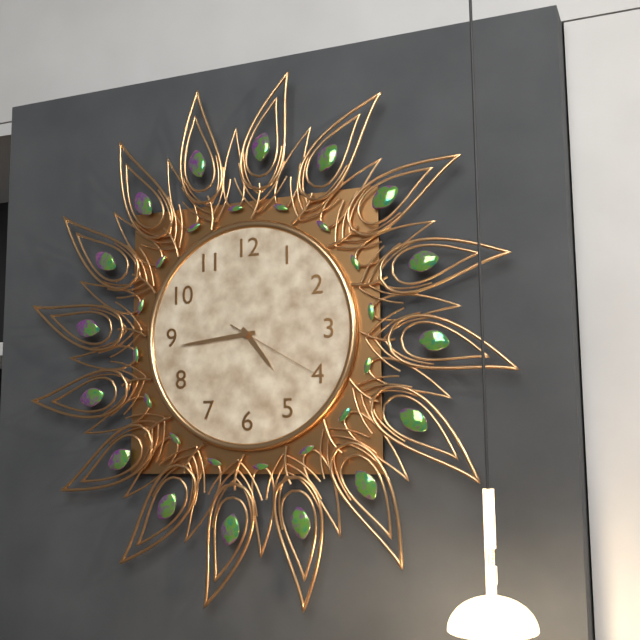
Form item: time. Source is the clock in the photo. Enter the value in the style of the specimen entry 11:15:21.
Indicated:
4:44:20
